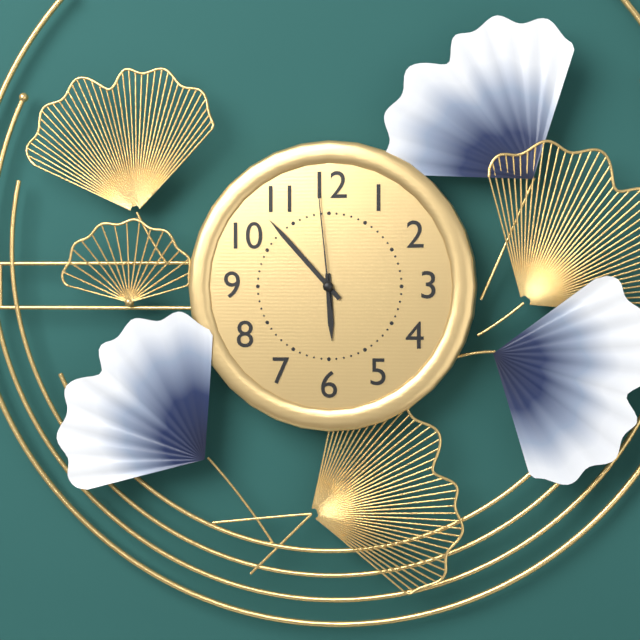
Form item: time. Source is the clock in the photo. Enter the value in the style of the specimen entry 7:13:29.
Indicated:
5:53:59
